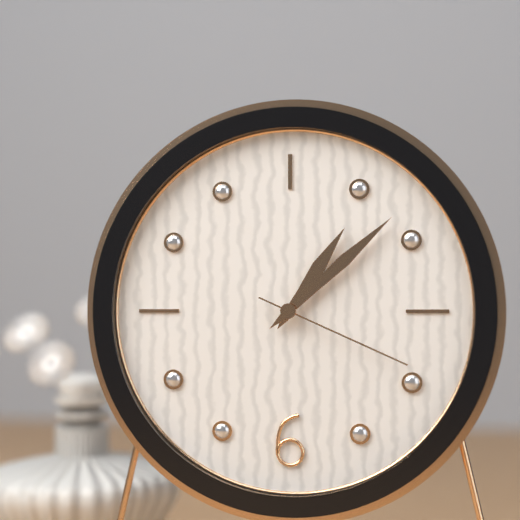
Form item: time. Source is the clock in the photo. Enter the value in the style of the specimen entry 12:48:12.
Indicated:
1:08:19
